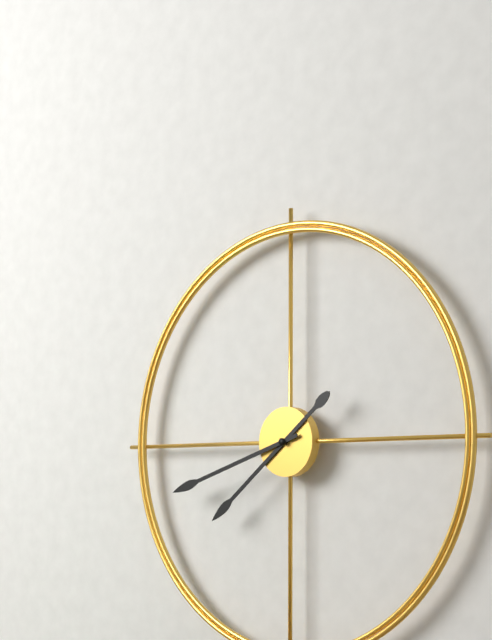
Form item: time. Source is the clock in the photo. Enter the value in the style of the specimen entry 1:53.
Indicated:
7:42
